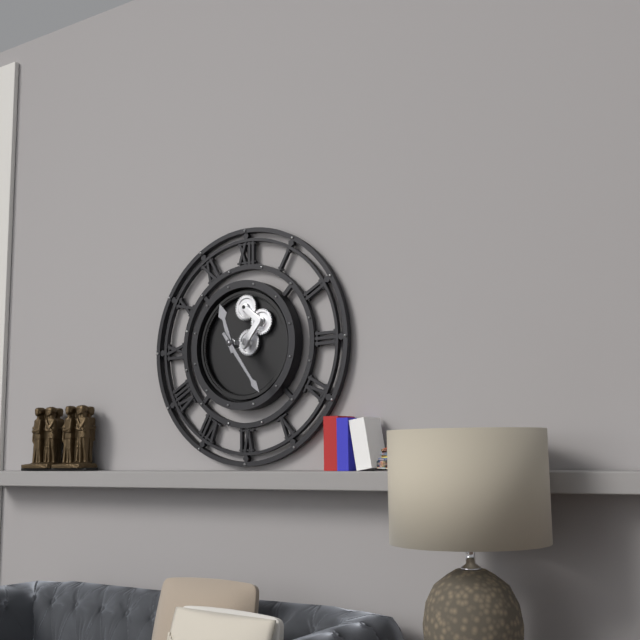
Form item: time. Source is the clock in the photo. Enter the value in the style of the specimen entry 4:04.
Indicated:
11:24
